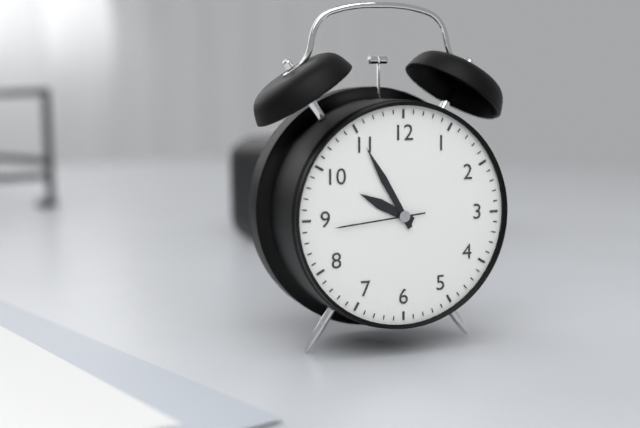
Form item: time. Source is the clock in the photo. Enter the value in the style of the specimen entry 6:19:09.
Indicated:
9:55:44
